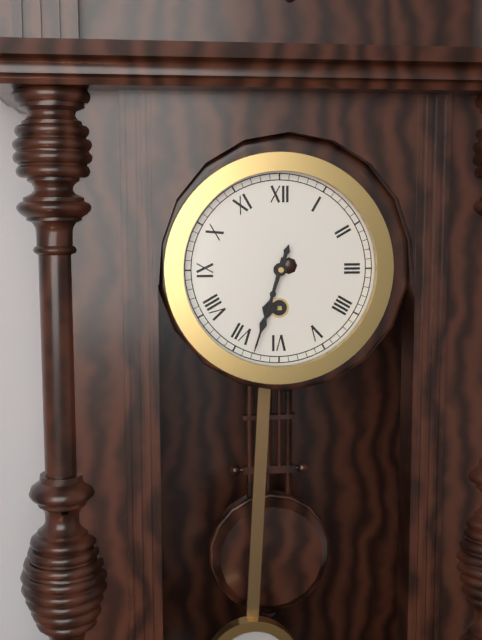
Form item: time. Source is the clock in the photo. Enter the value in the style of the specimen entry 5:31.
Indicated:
6:33
